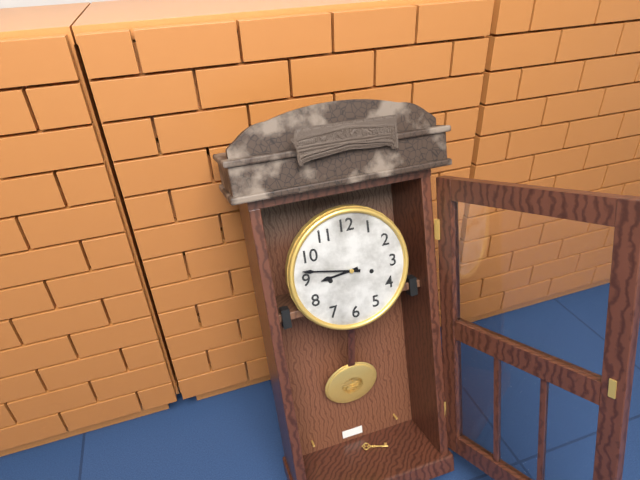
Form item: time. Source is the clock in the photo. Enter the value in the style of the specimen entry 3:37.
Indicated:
8:47
